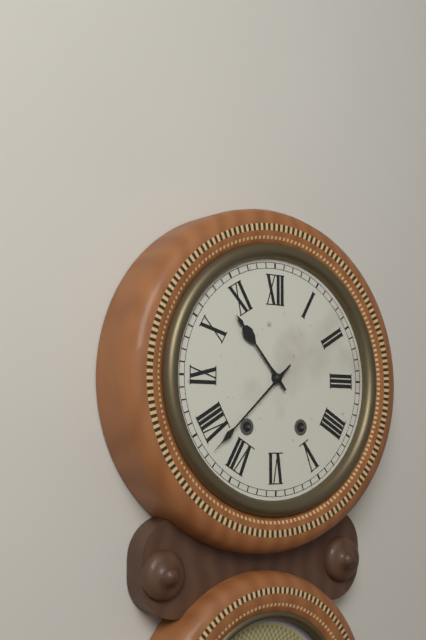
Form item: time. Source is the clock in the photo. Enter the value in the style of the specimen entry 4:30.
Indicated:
10:38
